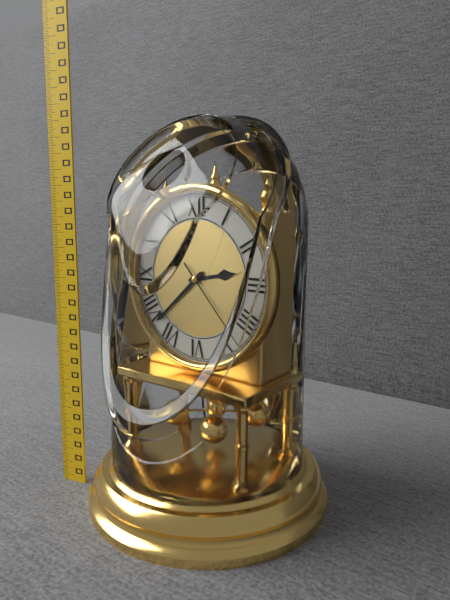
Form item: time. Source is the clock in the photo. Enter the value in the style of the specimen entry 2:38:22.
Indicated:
2:38:23
